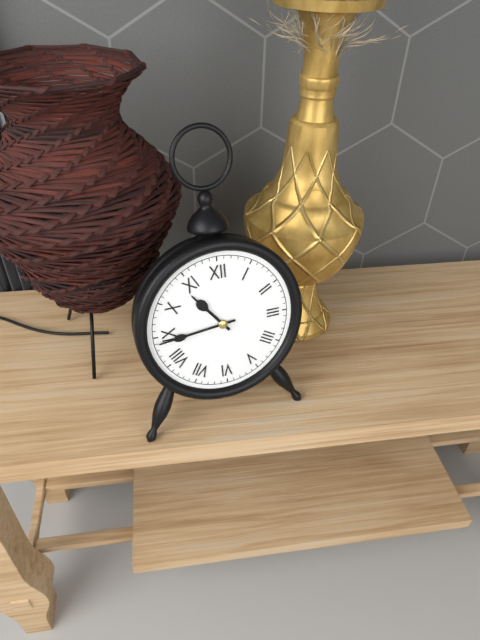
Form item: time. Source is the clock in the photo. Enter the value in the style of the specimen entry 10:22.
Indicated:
10:44
